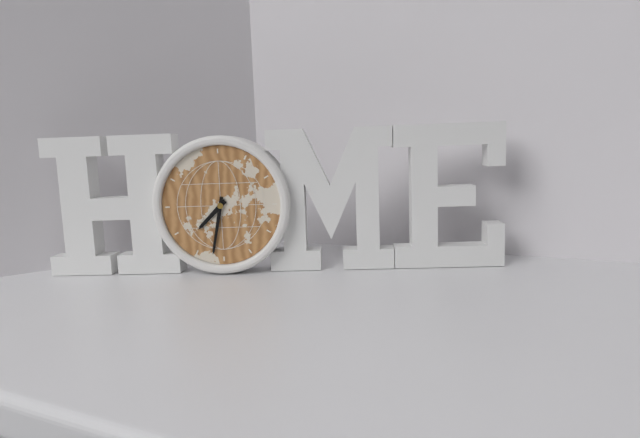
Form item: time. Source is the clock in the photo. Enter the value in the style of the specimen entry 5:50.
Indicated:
7:32
